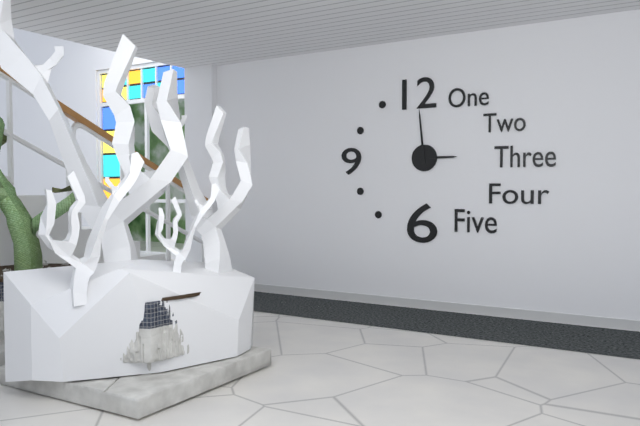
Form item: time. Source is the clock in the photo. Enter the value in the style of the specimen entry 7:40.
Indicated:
2:59
